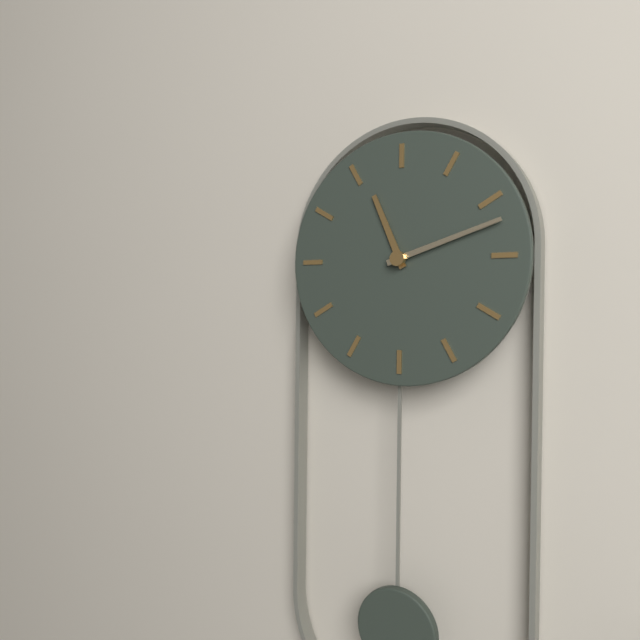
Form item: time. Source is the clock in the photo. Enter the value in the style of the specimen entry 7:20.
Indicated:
11:12
